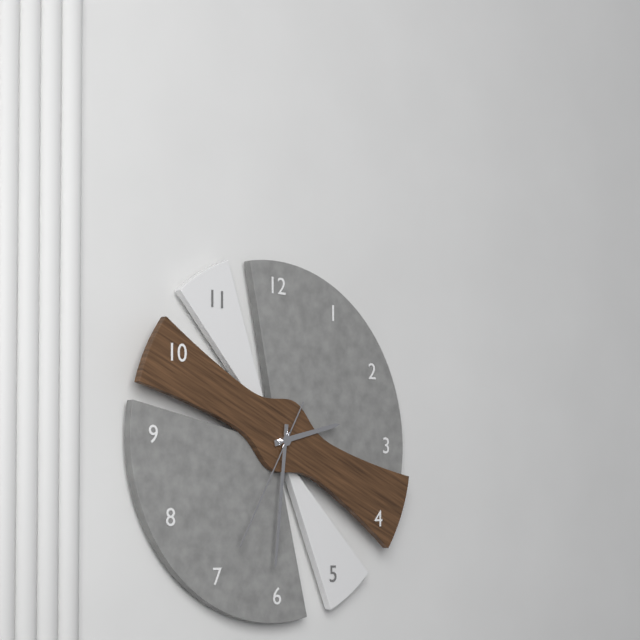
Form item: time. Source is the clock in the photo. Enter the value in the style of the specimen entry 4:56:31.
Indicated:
2:31:35
